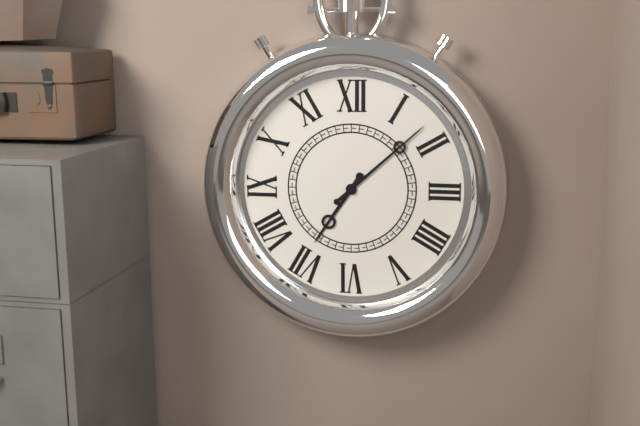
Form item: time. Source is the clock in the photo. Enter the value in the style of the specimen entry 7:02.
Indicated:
7:08
